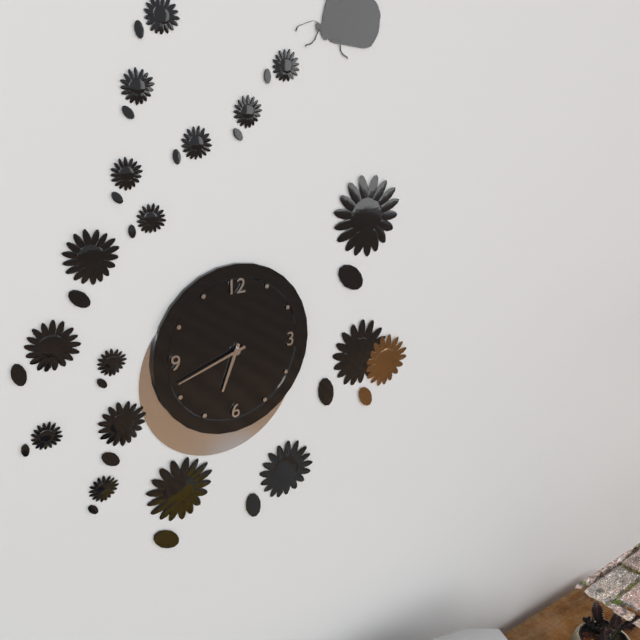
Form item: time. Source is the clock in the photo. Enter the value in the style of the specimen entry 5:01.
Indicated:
6:42
